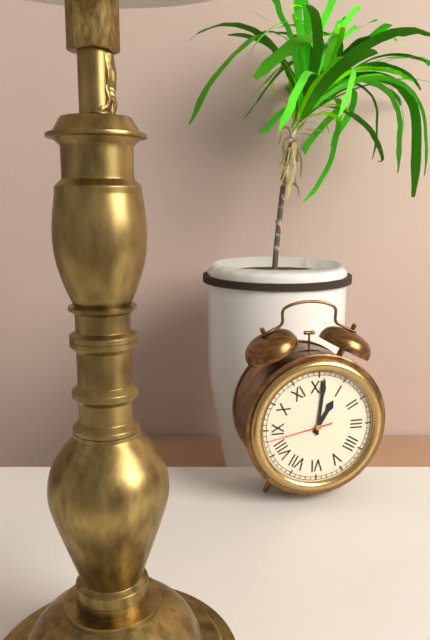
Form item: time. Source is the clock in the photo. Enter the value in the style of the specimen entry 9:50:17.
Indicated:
1:01:43
